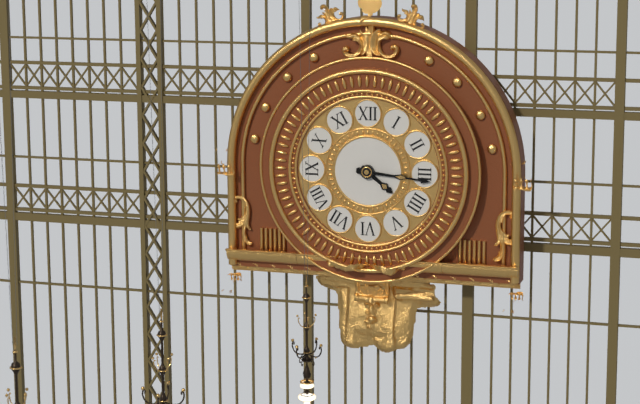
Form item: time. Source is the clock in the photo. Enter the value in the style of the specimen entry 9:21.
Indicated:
4:16
